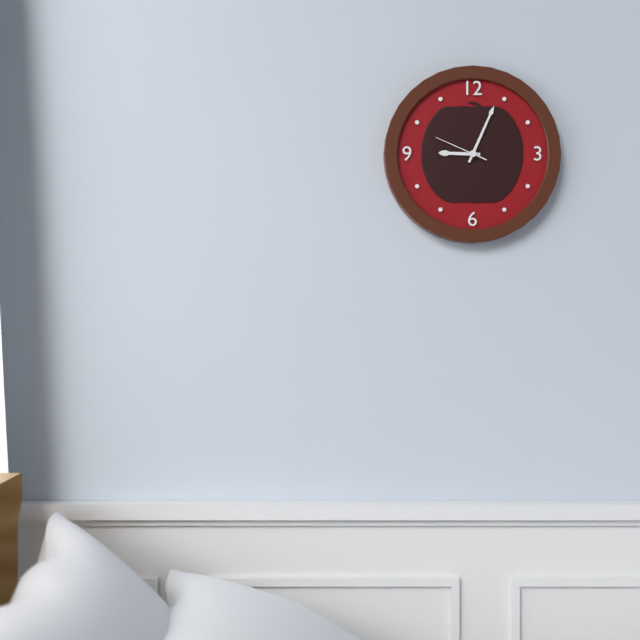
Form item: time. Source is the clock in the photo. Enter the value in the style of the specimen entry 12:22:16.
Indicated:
9:04:49
